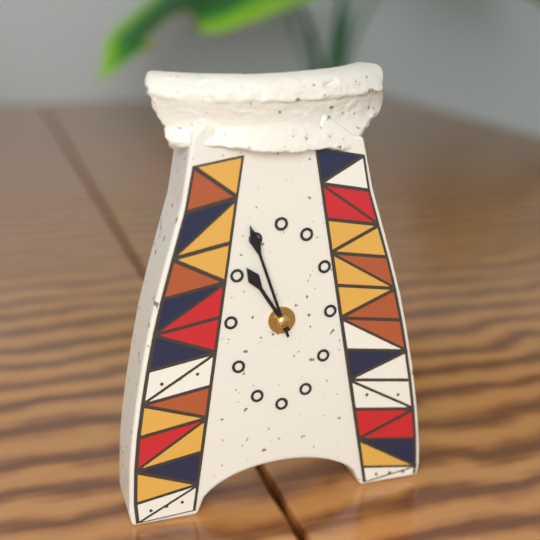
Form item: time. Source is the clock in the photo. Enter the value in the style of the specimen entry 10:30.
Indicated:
10:57
